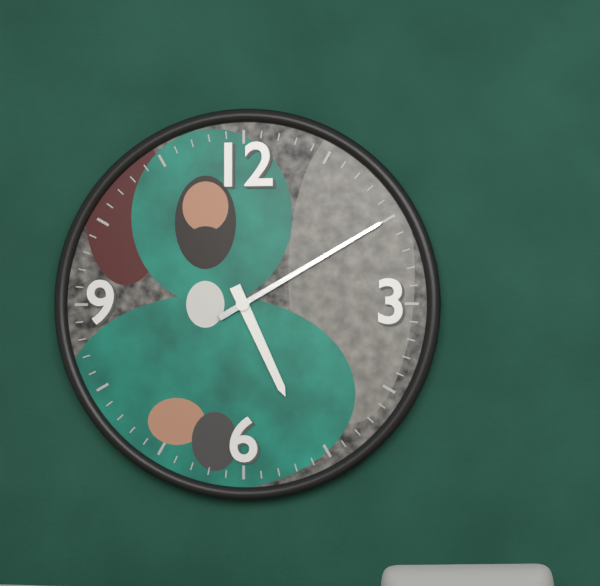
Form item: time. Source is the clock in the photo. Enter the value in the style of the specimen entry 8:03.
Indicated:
5:10
